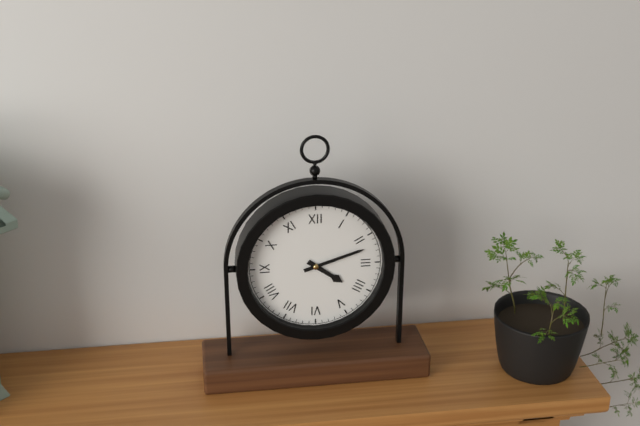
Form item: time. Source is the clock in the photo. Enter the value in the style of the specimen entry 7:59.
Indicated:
4:12
